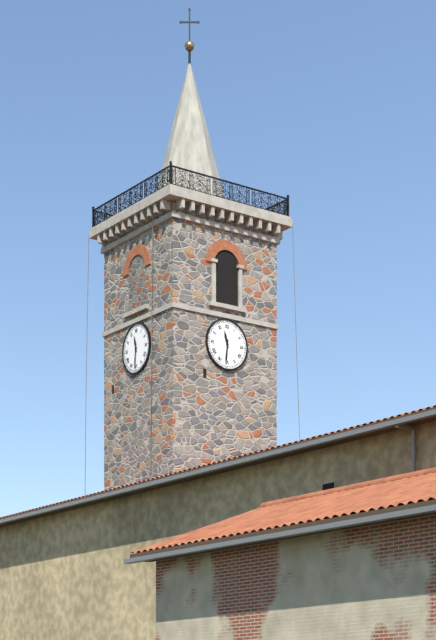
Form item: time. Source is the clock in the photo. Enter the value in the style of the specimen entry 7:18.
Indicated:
11:31
